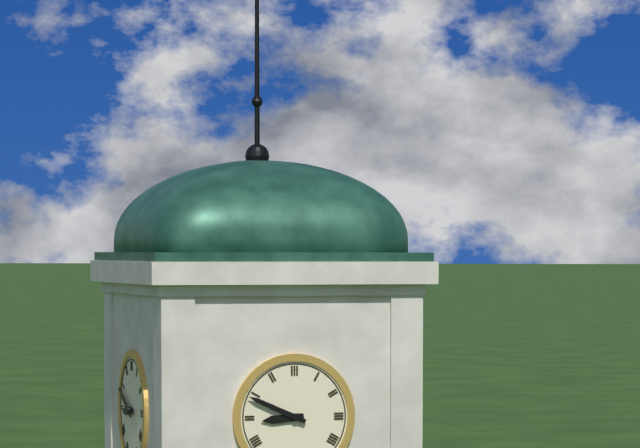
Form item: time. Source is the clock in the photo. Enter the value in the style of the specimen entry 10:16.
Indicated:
8:49
